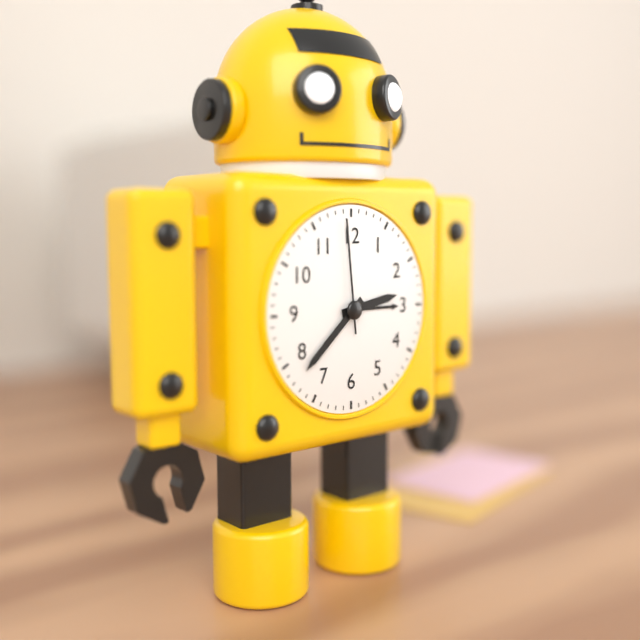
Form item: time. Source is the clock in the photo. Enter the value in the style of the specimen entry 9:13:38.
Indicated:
2:38:59
